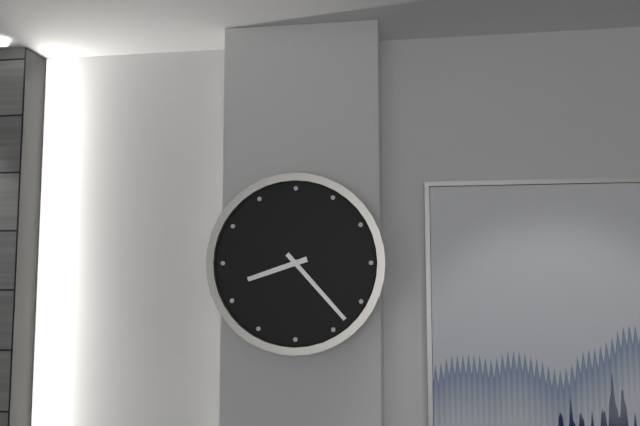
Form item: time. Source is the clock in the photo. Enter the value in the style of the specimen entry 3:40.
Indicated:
8:23
